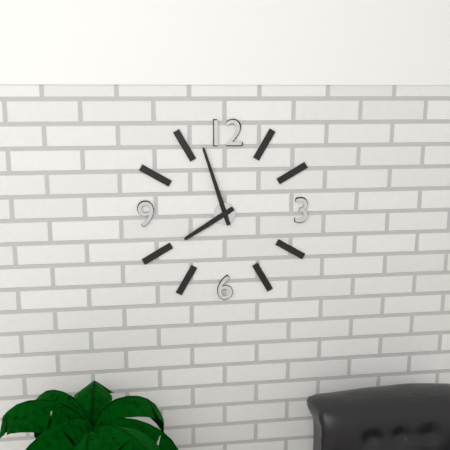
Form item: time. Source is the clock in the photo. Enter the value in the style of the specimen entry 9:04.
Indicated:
7:57
